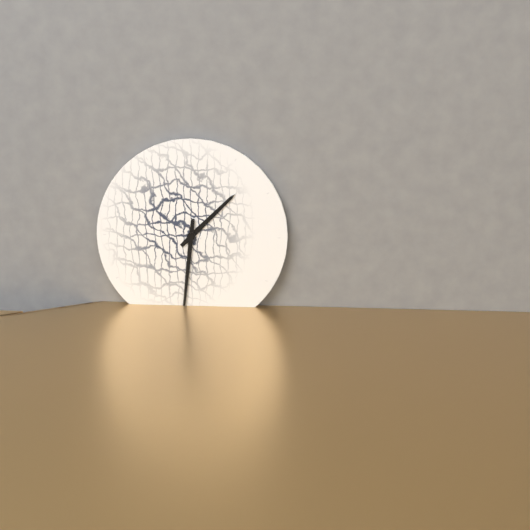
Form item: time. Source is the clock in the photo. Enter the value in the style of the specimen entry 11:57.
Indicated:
1:31
